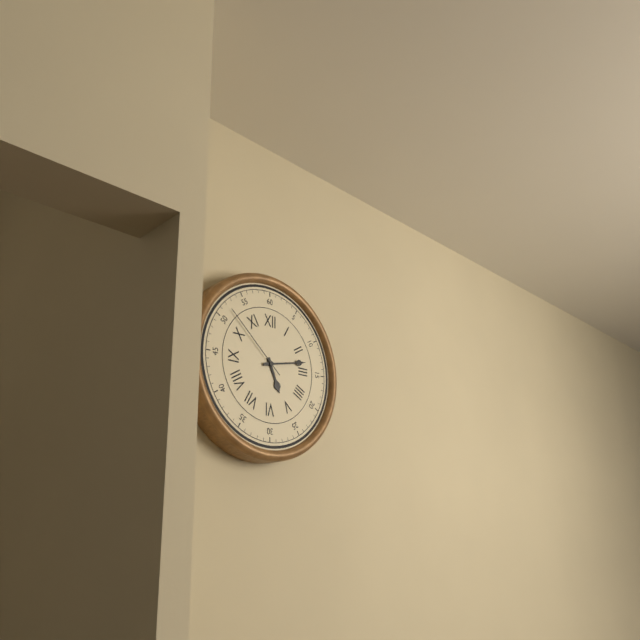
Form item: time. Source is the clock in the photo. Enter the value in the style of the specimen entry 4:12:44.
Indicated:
5:13:52
